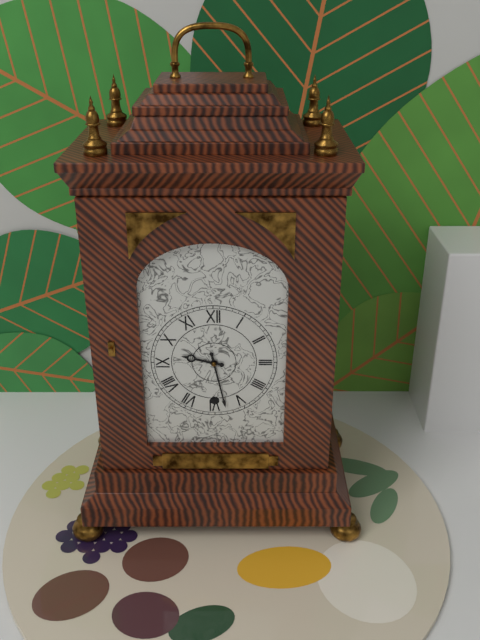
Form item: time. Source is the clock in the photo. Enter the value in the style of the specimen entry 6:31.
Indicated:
9:28
